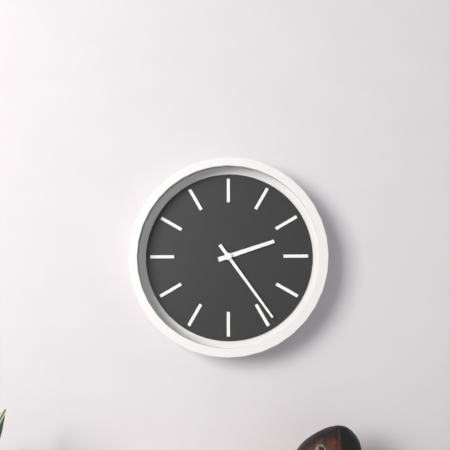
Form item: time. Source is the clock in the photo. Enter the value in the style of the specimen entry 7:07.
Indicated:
2:24
